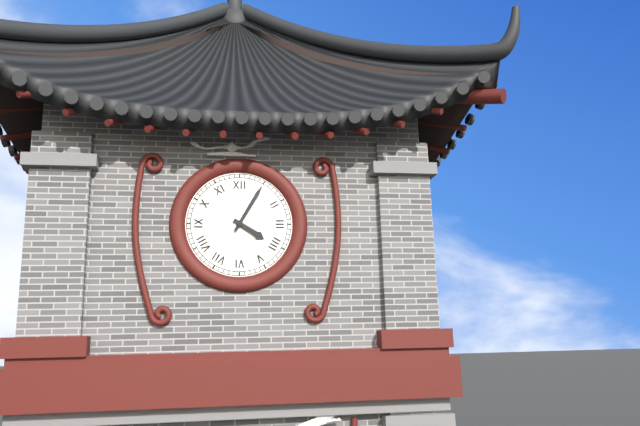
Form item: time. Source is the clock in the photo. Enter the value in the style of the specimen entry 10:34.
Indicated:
4:05
